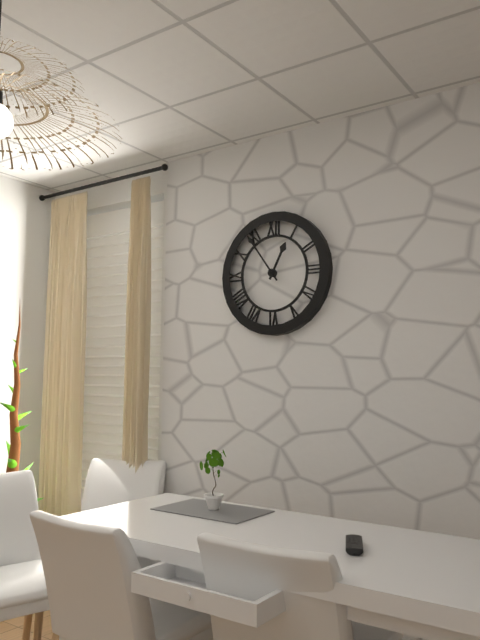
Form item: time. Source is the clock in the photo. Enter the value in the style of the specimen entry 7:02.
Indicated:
12:54
